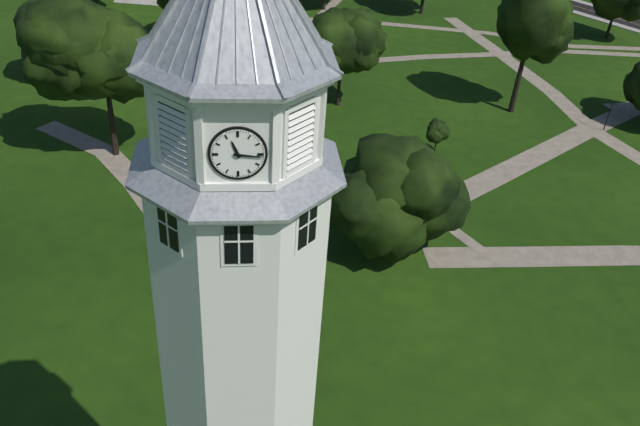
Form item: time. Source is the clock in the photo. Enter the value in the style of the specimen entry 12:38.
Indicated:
11:16
